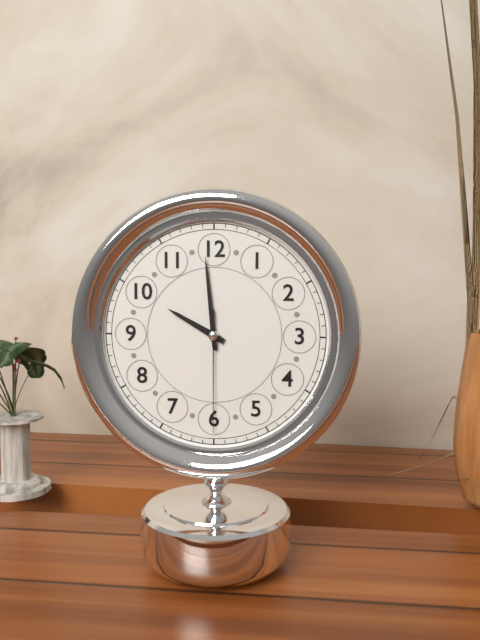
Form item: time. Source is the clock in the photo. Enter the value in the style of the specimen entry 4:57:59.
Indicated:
9:59:30
